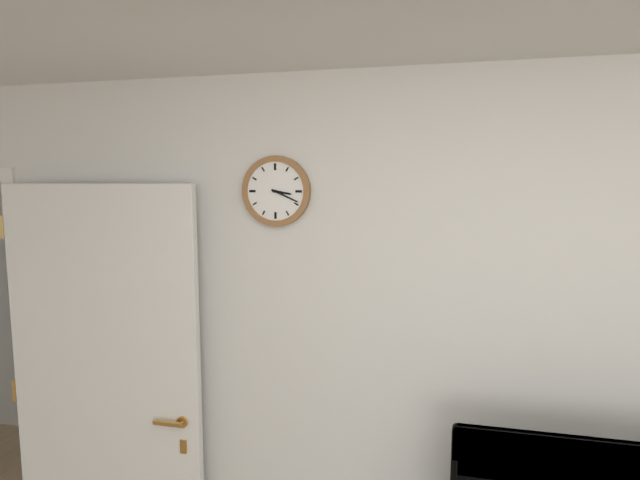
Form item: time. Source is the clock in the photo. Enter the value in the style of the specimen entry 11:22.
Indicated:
3:19
